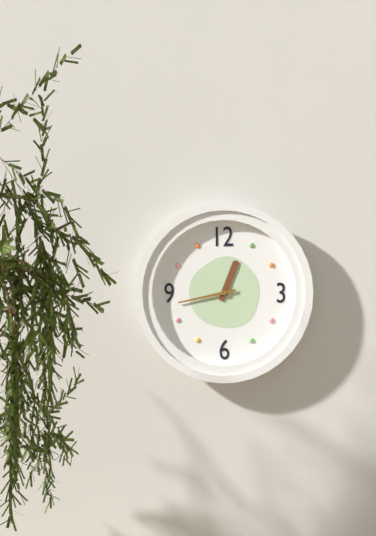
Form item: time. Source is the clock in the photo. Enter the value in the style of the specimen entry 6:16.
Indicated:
12:43
